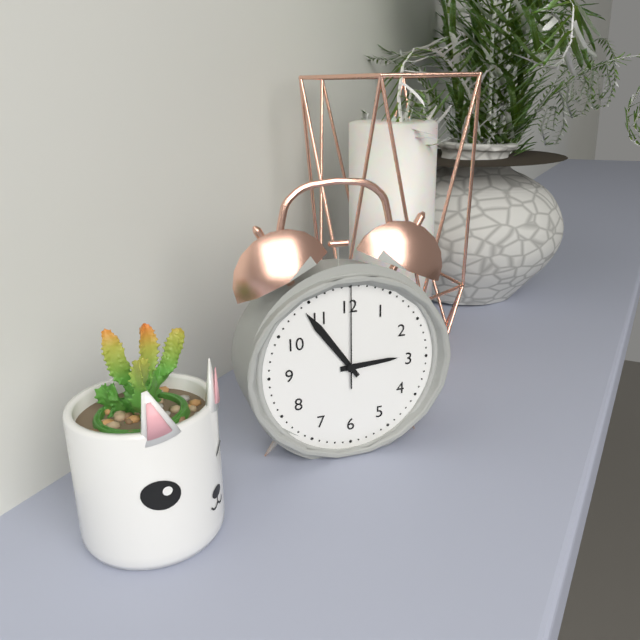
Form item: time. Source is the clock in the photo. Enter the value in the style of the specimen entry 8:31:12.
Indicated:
2:54:00
